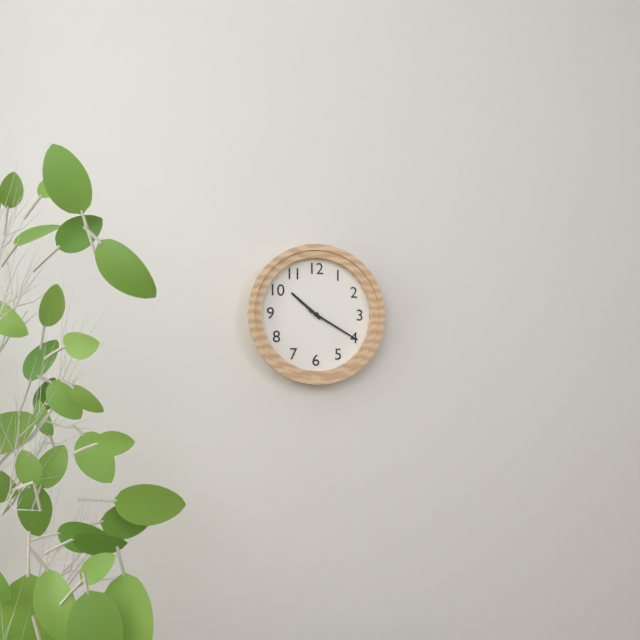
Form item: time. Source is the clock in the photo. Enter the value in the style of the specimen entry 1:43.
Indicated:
10:20
